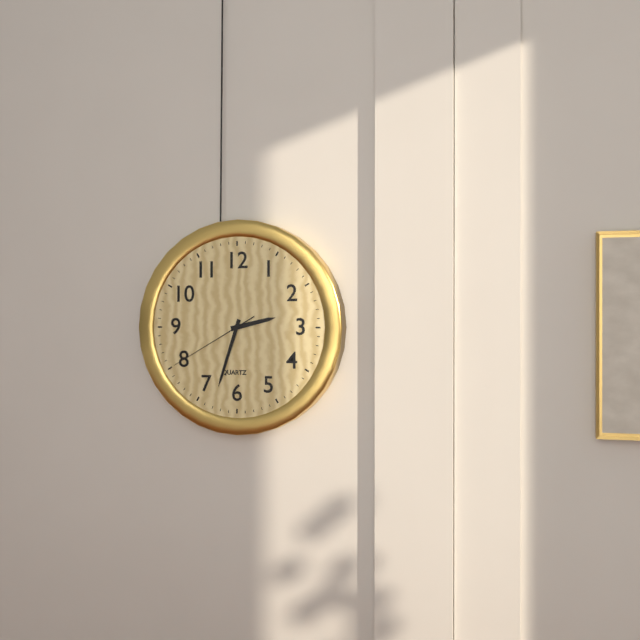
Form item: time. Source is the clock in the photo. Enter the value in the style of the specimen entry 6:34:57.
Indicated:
2:33:40
